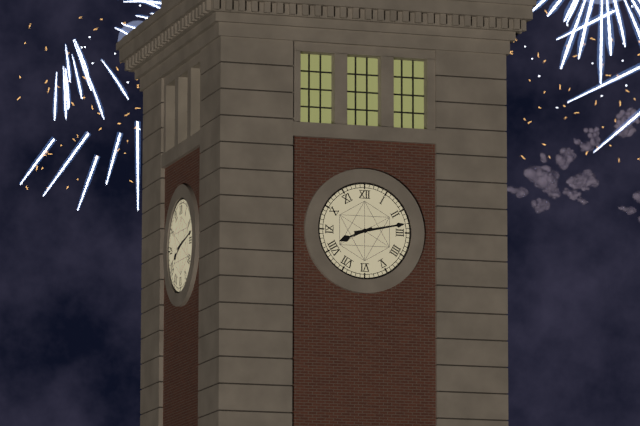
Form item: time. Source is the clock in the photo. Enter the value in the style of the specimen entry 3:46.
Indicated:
8:13
